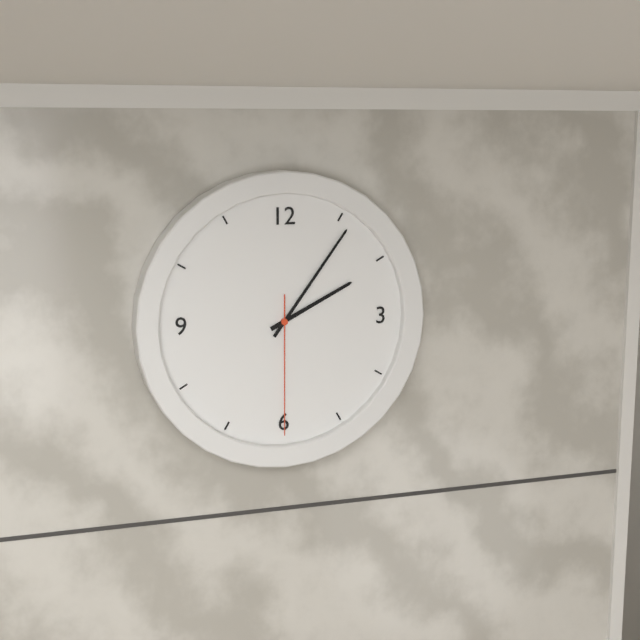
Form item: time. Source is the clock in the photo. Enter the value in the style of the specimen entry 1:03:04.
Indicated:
2:06:30
